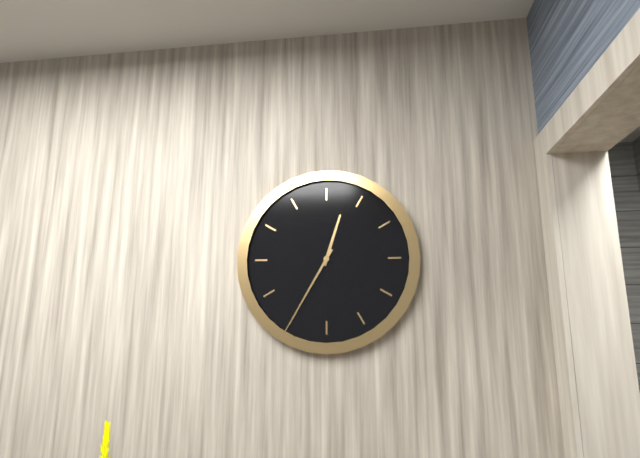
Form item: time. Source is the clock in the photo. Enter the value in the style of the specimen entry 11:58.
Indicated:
12:35
